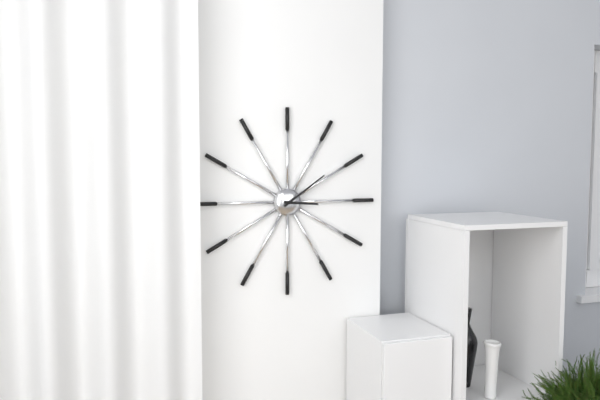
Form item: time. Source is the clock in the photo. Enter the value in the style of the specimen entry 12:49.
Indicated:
3:09
